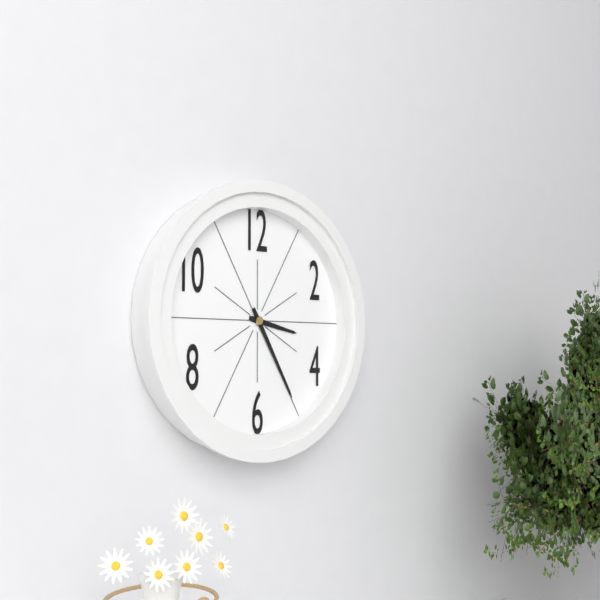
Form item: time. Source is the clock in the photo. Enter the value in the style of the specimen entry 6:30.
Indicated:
3:25
